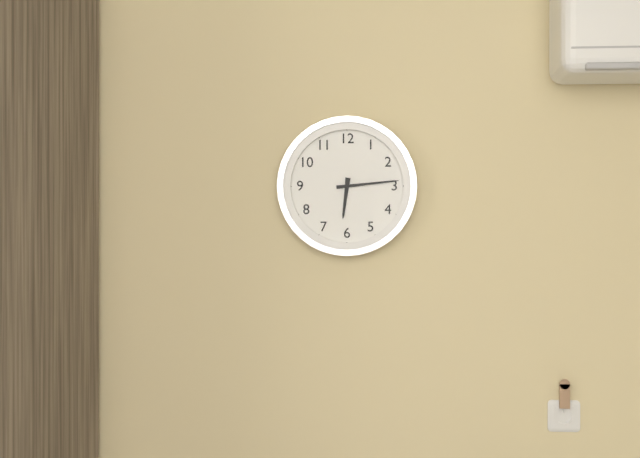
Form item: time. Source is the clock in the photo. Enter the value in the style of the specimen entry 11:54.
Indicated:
6:14
